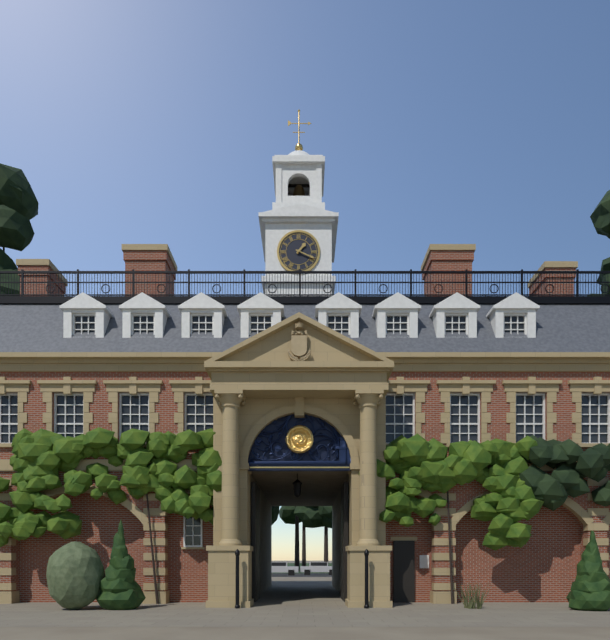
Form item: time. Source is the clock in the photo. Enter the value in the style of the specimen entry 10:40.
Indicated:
1:19
